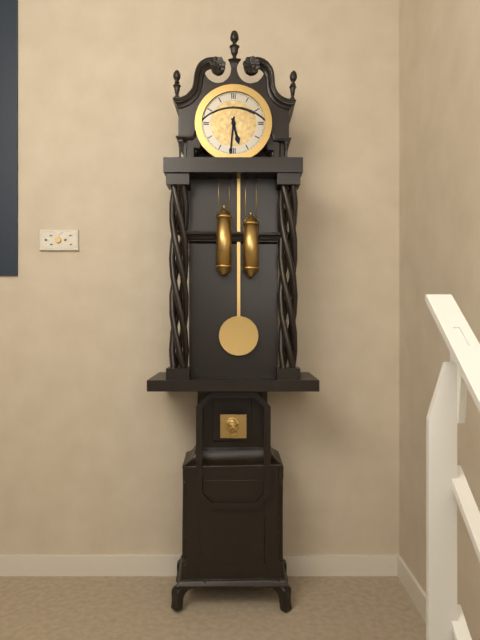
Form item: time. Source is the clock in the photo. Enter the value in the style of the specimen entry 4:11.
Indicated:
5:31
